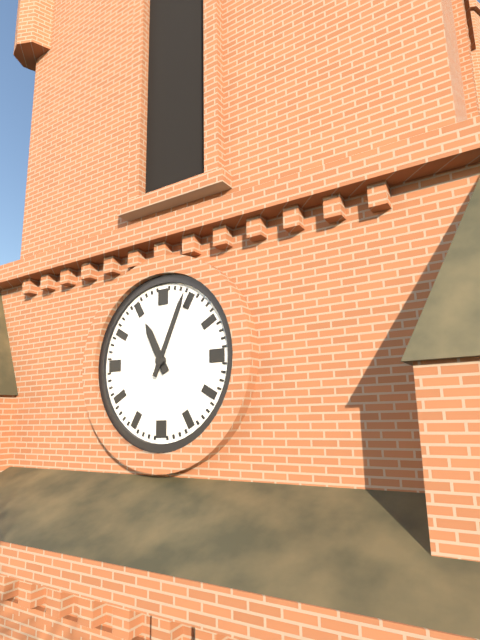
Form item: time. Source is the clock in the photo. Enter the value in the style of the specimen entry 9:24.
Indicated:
11:04
